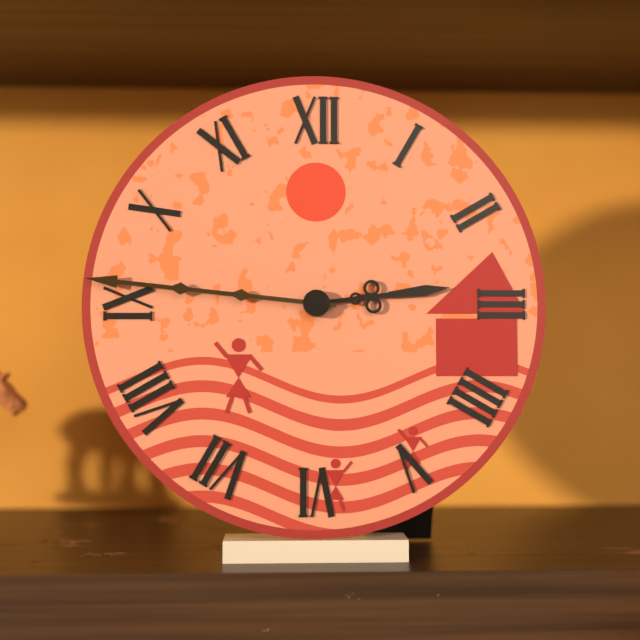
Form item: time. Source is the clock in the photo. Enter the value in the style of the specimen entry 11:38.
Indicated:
2:46
